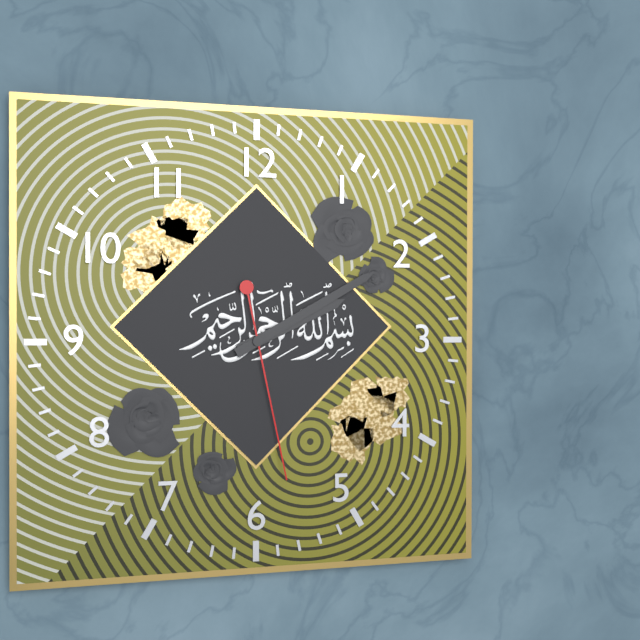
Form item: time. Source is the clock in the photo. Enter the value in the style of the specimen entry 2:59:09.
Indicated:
2:10:28
